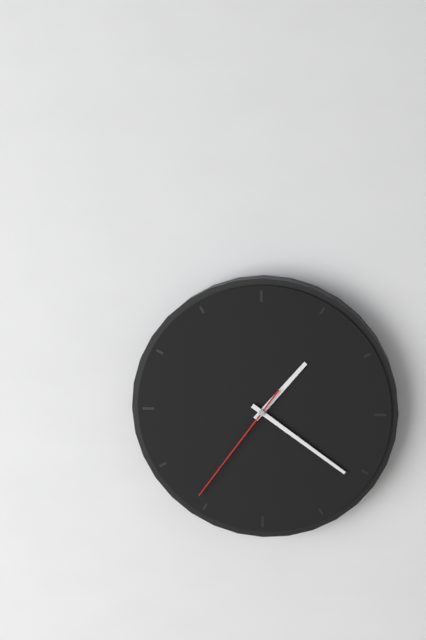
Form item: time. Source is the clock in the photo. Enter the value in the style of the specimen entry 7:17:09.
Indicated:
1:21:36
